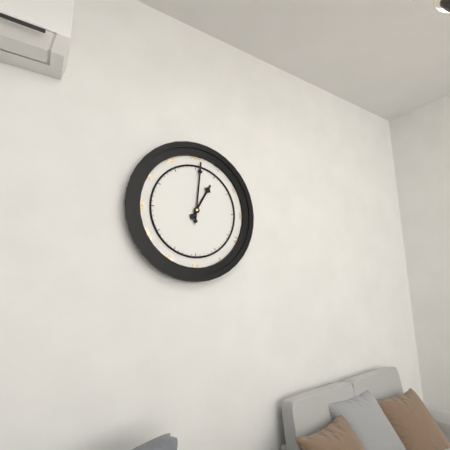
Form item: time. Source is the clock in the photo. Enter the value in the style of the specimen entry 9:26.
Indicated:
1:01
